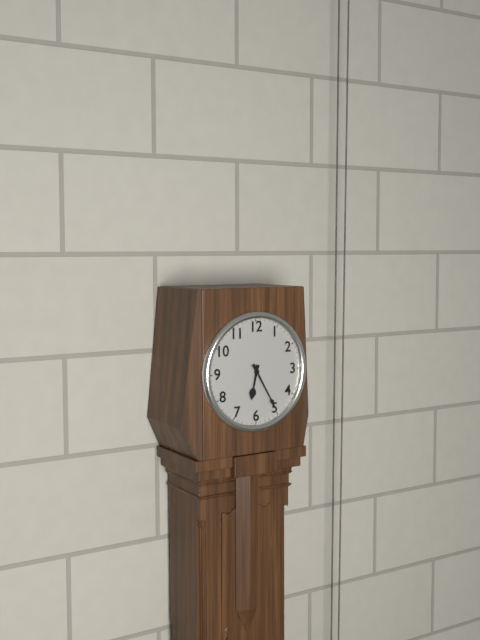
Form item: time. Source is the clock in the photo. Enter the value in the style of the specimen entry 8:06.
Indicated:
6:25
